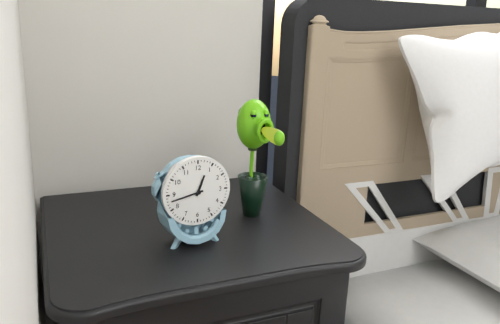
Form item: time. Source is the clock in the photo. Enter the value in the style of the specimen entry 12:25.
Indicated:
12:43
